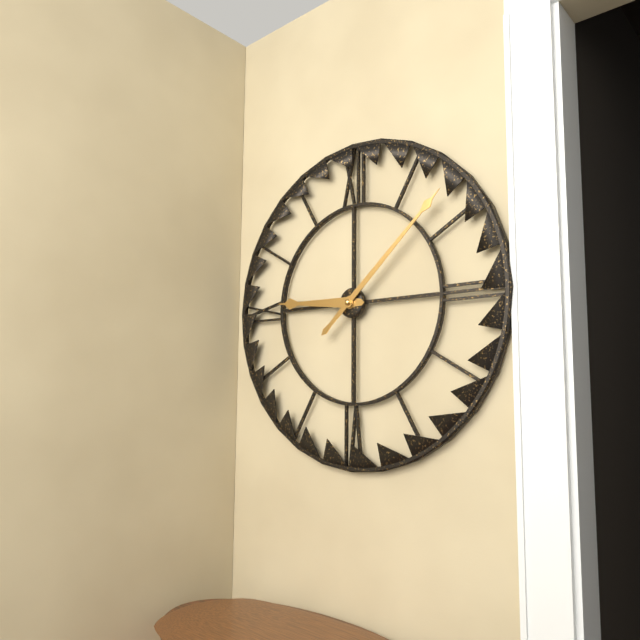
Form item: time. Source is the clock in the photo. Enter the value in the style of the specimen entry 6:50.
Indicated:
9:08
